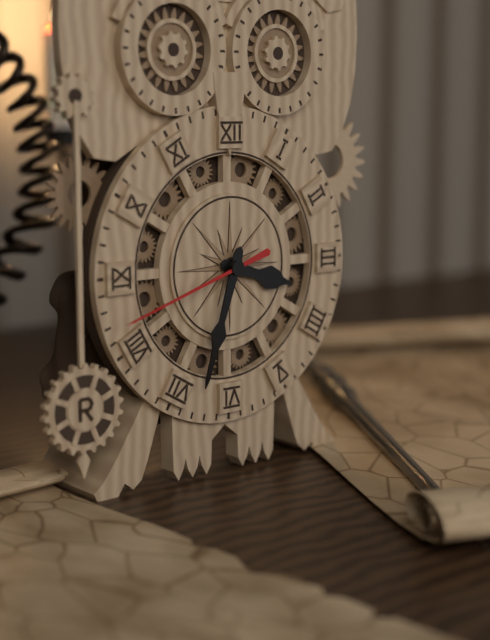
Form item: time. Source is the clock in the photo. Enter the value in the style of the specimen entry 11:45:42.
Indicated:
3:33:42
